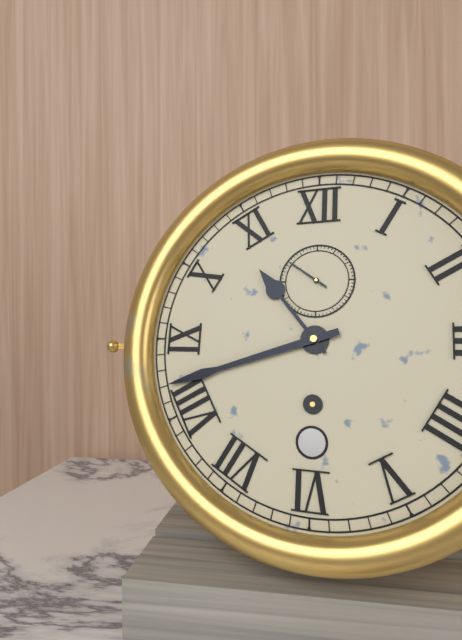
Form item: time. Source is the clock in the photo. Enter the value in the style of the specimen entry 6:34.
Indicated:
10:42
